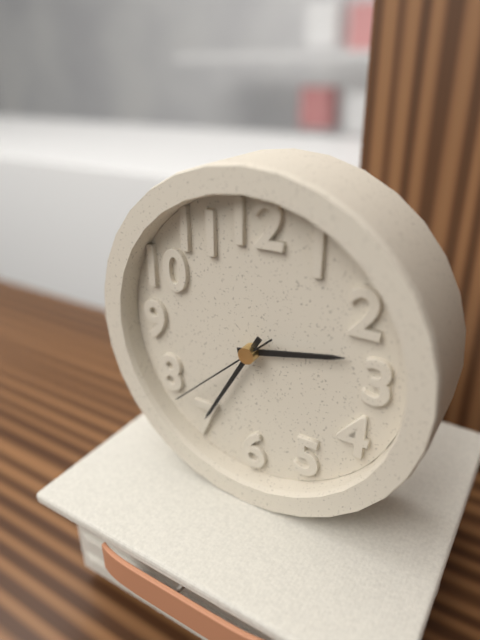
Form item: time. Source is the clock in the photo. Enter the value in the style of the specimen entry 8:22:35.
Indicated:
2:35:38
